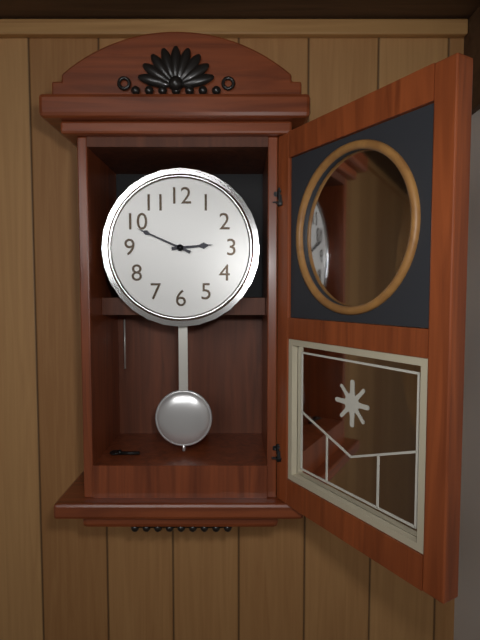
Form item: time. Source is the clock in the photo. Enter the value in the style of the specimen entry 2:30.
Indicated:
2:49
